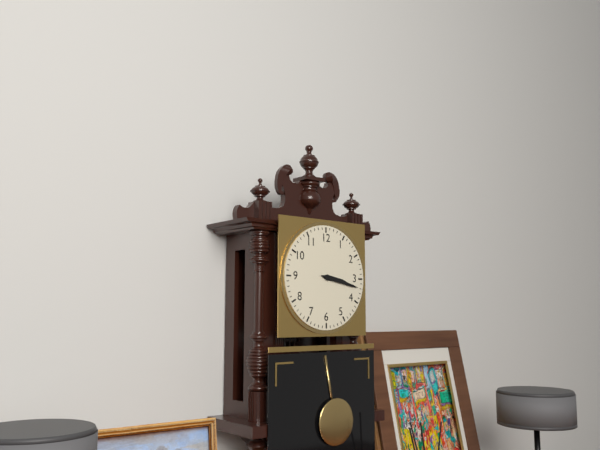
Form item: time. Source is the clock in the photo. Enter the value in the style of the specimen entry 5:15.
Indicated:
3:17
